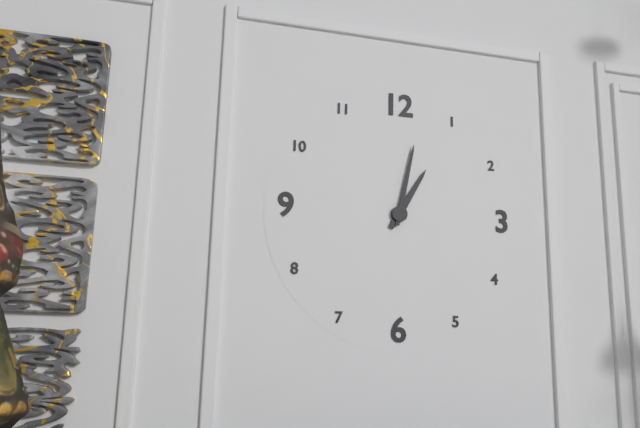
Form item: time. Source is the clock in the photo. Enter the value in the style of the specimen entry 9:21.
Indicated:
1:02
